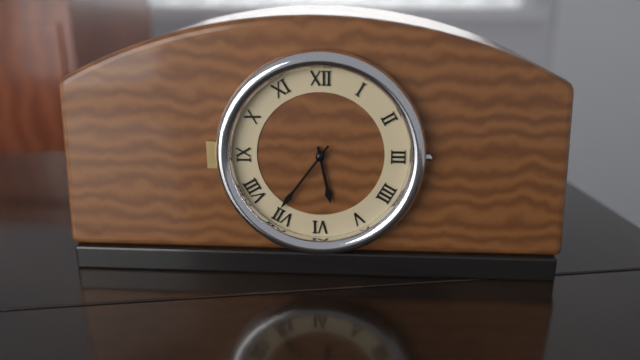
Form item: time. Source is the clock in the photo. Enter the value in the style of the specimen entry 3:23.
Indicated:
5:36
